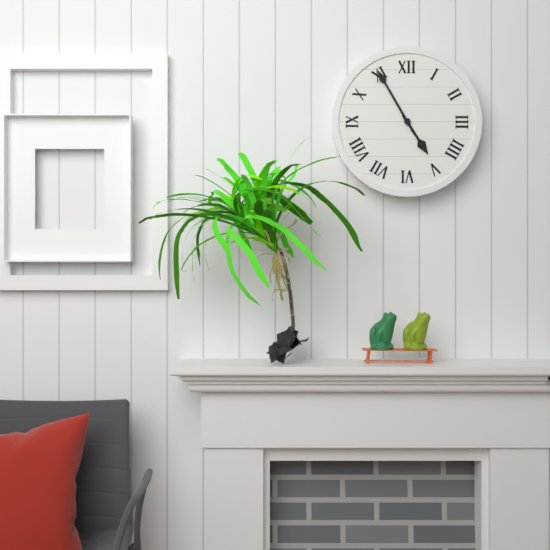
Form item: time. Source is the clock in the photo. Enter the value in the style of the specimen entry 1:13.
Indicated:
4:55
